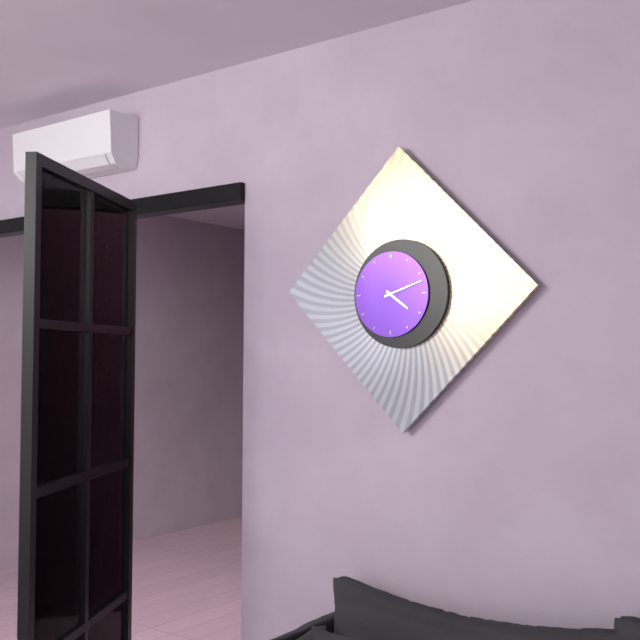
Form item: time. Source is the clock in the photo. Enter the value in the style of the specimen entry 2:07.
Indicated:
4:12
